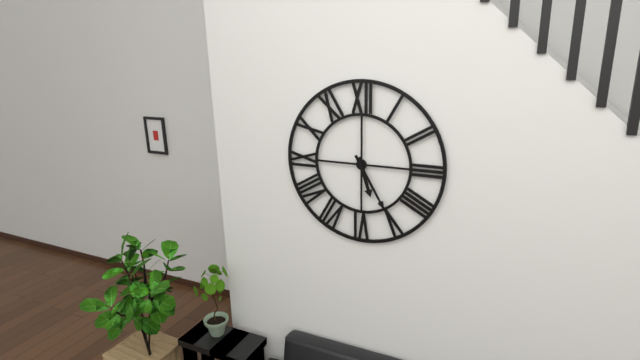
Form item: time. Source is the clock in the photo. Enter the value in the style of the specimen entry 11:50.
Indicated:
5:25
